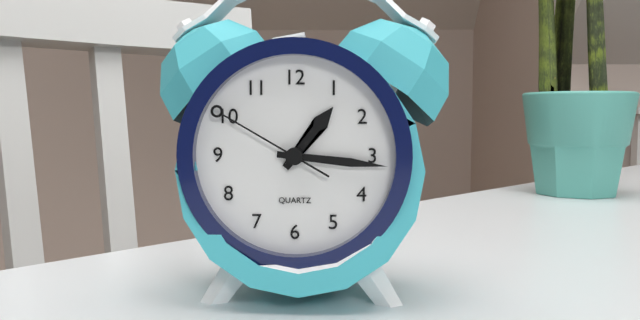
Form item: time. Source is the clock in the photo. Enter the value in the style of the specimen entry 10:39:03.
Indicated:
1:16:50
